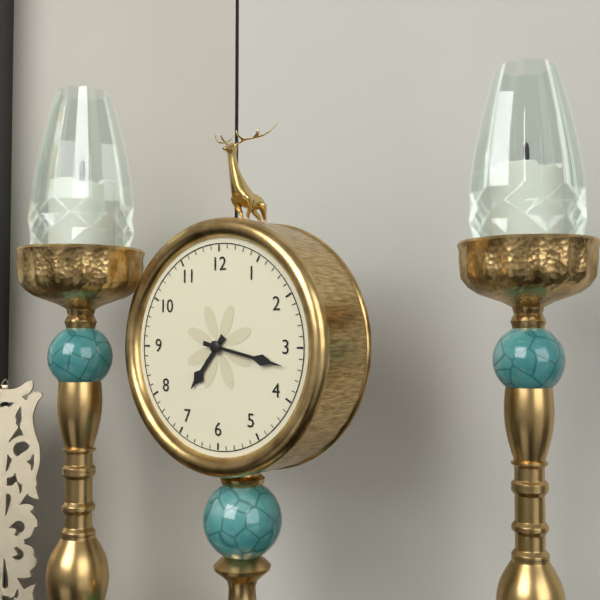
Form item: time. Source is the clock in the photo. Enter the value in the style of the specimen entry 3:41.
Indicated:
7:17
